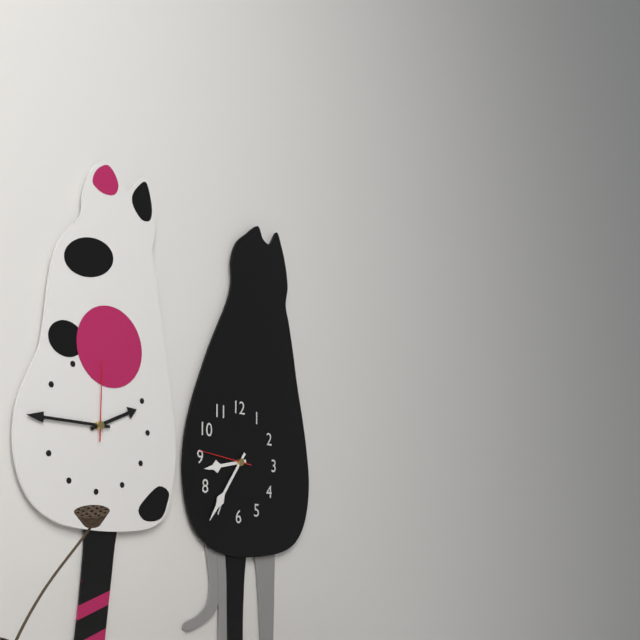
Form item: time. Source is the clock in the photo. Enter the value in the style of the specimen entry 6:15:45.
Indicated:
8:36:46
